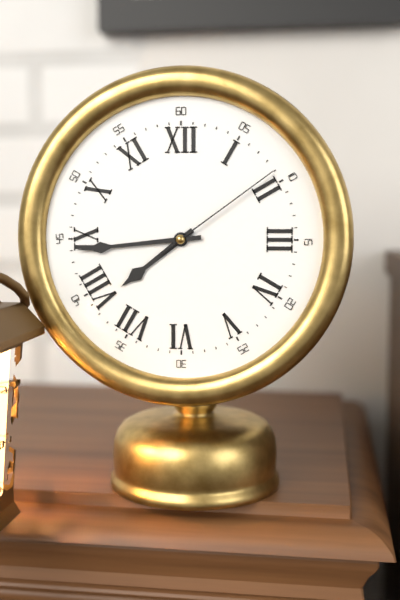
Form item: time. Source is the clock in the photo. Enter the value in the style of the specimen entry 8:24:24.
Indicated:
7:44:09
